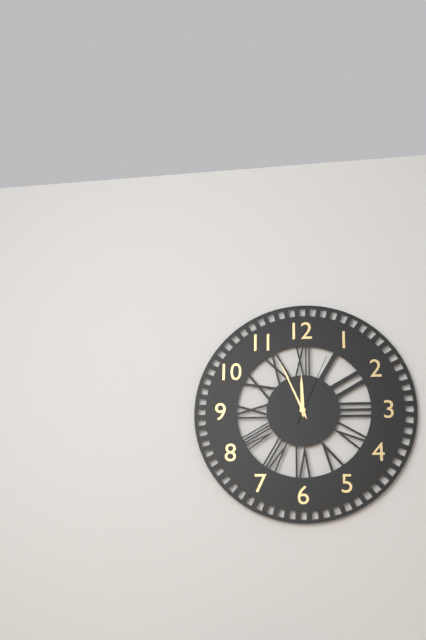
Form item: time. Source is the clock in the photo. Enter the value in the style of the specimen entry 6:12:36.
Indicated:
11:56:04
